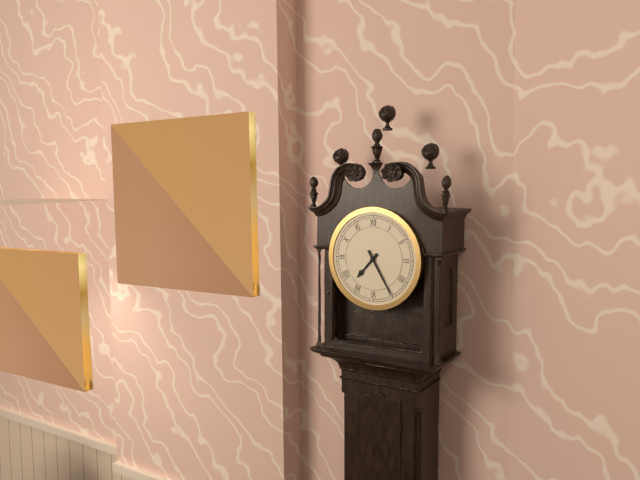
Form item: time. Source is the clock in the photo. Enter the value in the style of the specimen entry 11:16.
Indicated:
7:25
